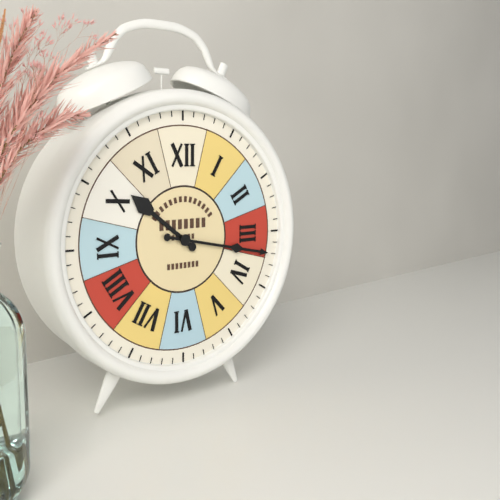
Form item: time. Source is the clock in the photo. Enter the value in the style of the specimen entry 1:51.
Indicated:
10:17
